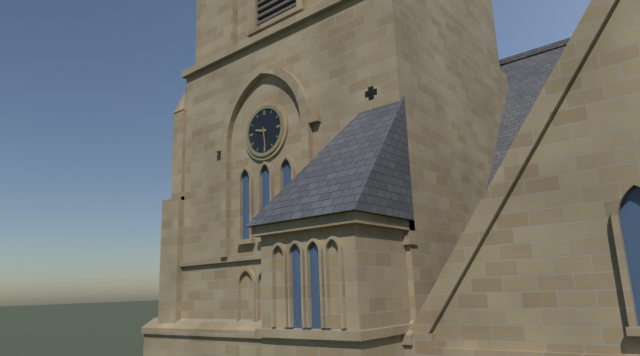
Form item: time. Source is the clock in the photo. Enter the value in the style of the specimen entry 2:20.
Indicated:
9:29
